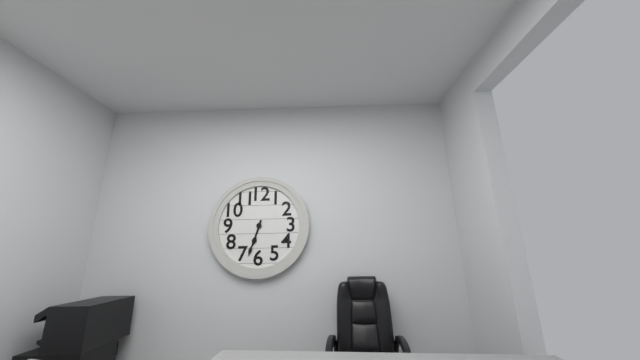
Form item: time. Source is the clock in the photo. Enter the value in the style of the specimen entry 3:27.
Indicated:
6:33
